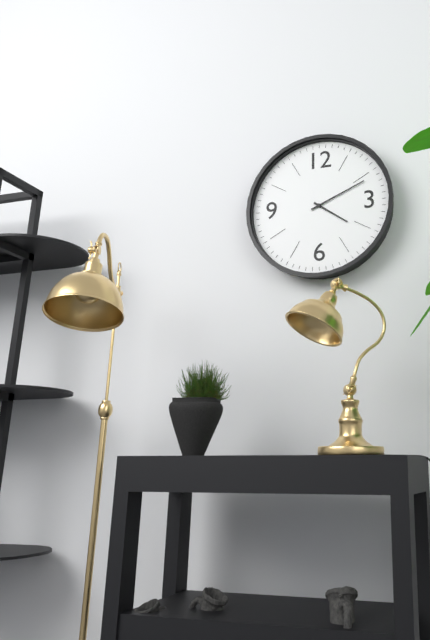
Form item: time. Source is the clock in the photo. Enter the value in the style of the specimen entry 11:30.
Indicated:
4:11
